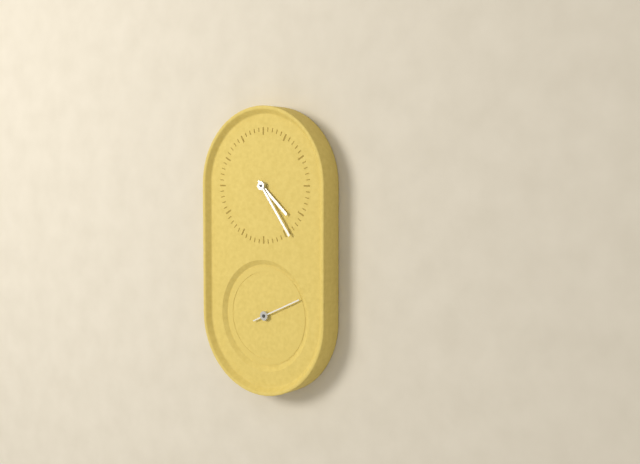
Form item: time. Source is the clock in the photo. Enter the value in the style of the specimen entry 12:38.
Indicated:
4:24
